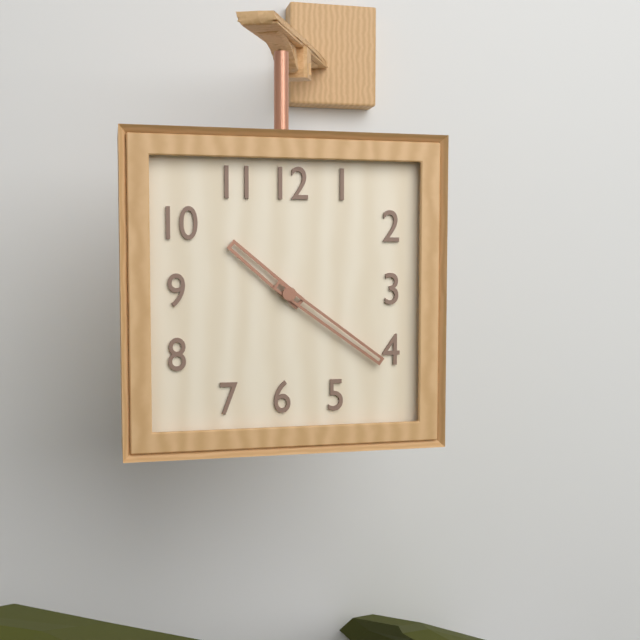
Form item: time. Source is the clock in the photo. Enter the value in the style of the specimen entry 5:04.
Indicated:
10:21
